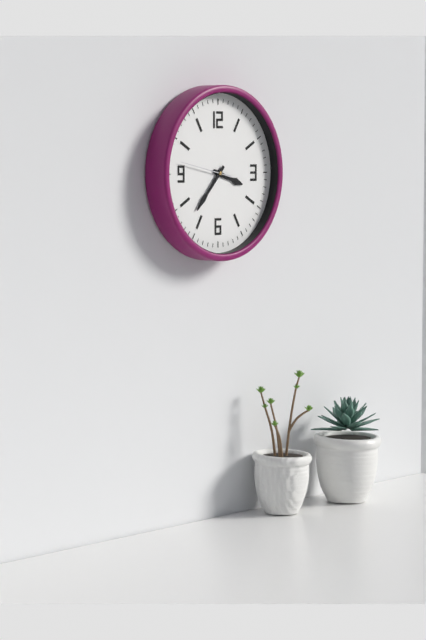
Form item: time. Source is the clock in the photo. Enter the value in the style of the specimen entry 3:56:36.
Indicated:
3:37:47
